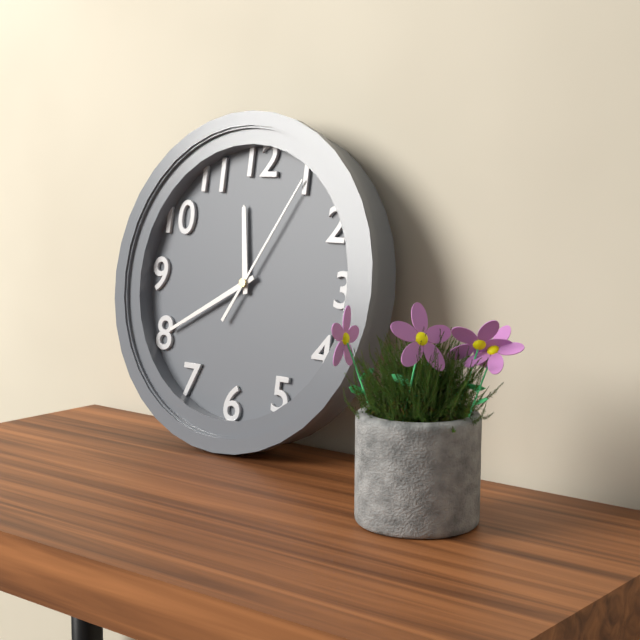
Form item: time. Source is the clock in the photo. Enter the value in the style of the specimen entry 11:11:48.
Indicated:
11:40:05
